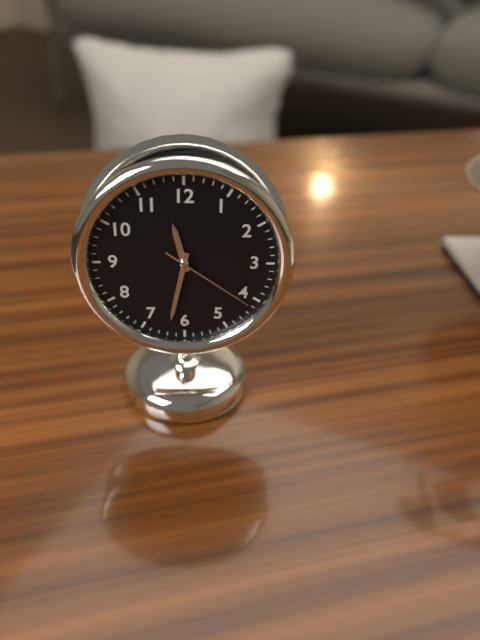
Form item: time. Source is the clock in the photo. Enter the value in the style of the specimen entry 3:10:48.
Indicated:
11:32:21
